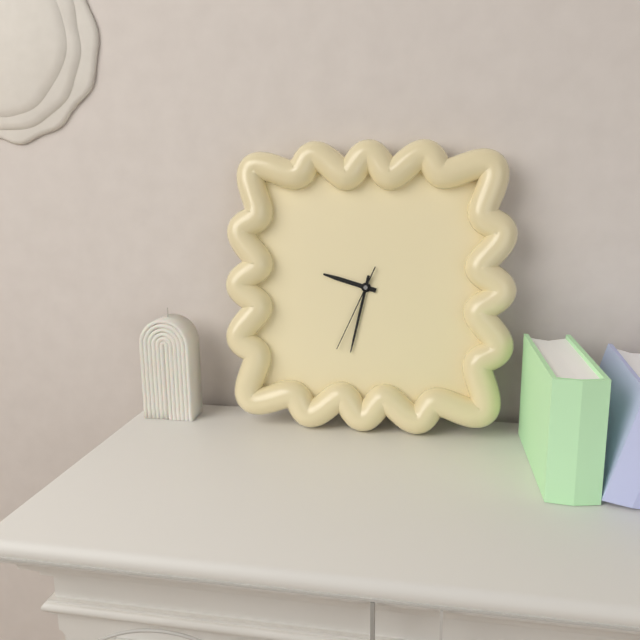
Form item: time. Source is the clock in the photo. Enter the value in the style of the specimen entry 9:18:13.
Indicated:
9:32:34
